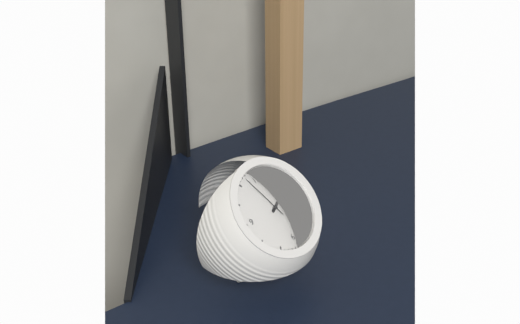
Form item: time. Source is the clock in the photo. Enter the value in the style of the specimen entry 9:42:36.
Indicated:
2:11:57
